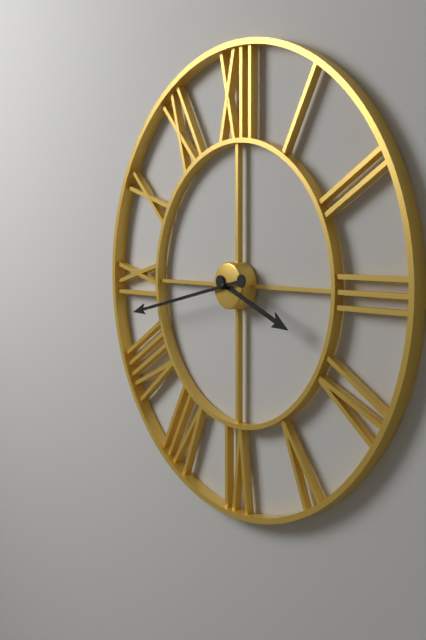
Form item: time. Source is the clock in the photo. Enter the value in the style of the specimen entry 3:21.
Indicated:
3:43
